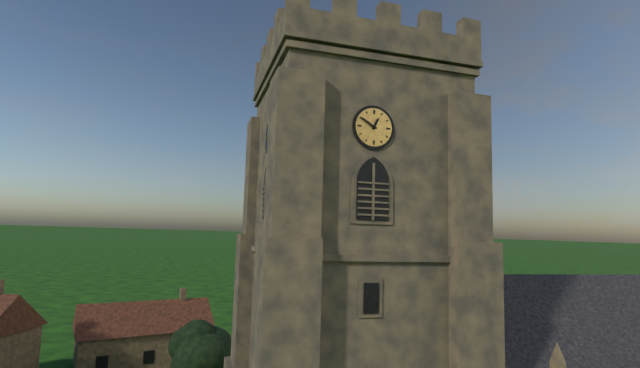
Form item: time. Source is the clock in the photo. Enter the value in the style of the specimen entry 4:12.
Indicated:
12:50
